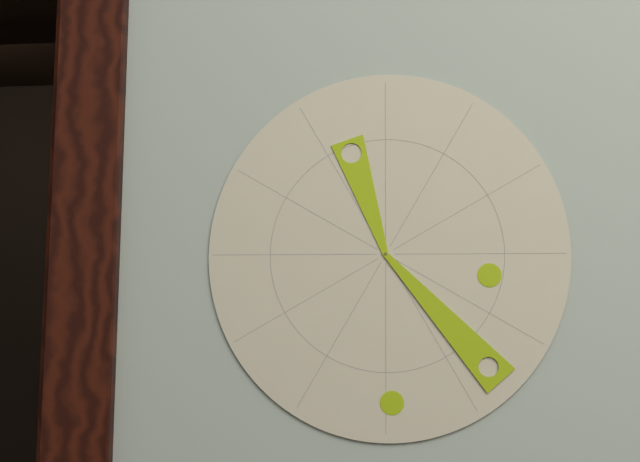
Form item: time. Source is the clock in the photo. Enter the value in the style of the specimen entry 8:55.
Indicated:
11:23
